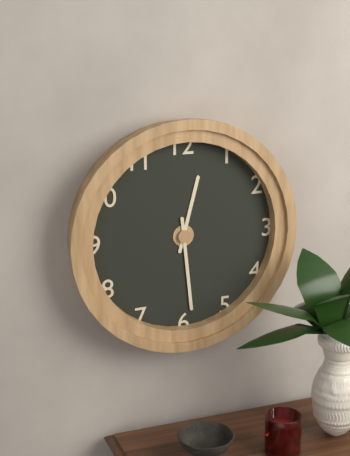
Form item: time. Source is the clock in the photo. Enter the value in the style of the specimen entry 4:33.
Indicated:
12:29
